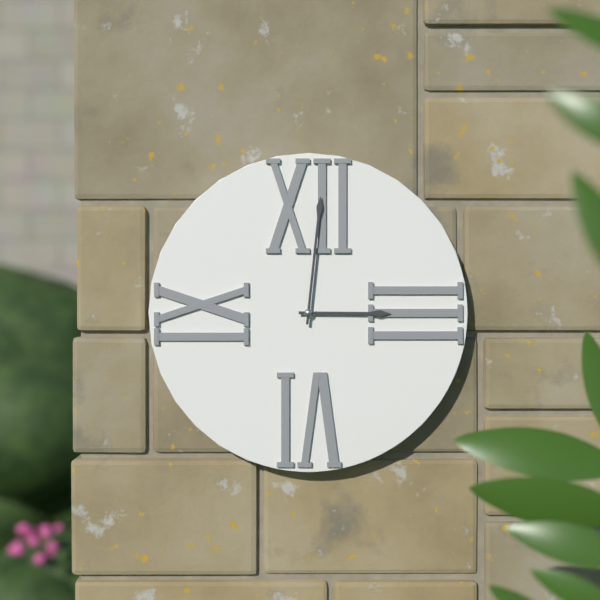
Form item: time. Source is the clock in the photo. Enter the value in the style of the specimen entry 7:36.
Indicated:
3:01
